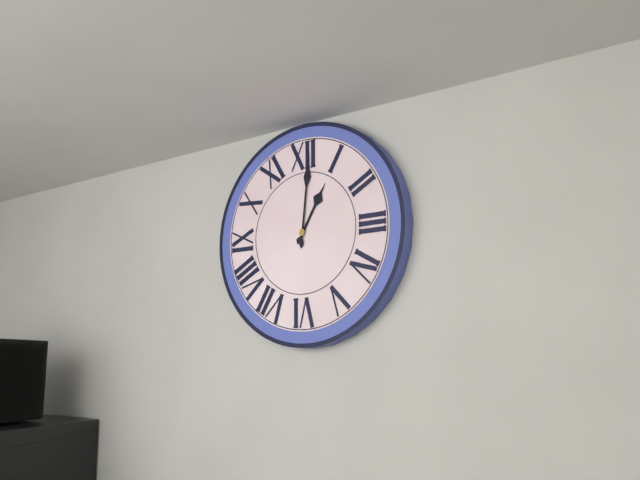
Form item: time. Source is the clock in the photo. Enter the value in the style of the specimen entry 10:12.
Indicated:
1:01
